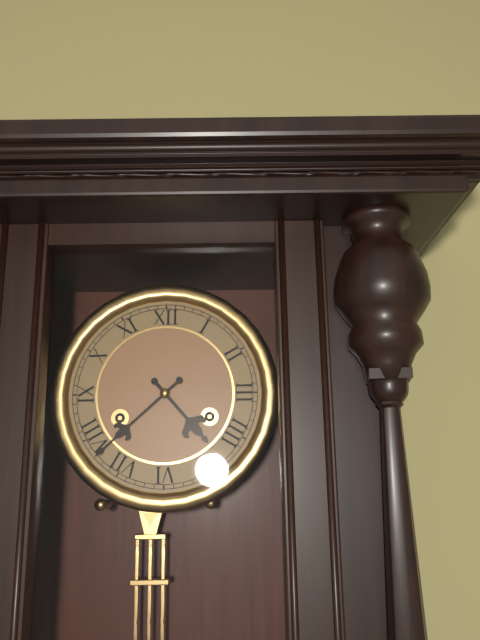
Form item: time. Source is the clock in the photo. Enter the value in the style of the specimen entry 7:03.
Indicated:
4:38
